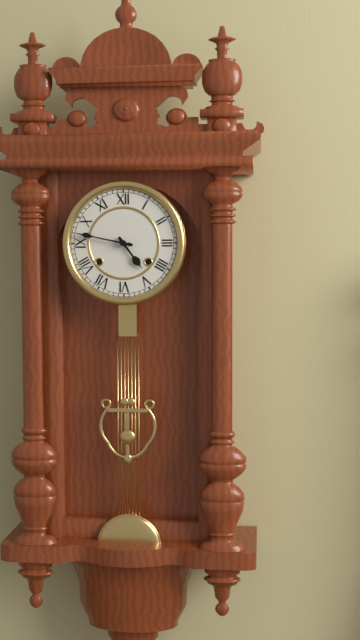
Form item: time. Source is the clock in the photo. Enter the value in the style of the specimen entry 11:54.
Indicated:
4:47
